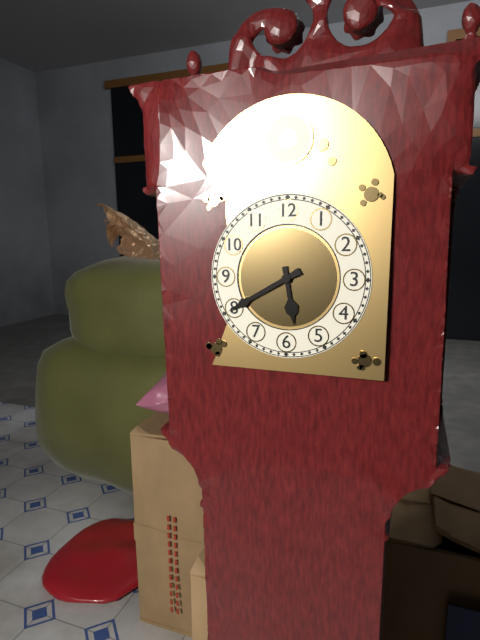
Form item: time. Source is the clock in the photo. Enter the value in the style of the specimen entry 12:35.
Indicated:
5:40
